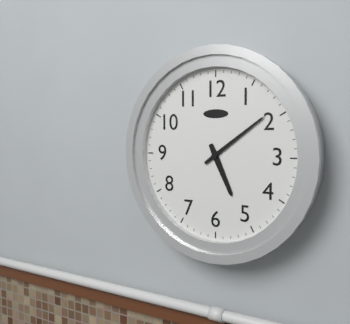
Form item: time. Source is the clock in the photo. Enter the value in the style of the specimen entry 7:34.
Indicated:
5:09
